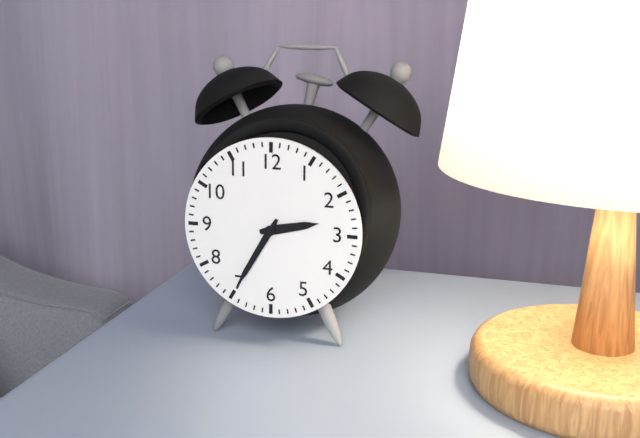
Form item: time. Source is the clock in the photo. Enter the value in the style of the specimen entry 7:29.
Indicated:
2:35
